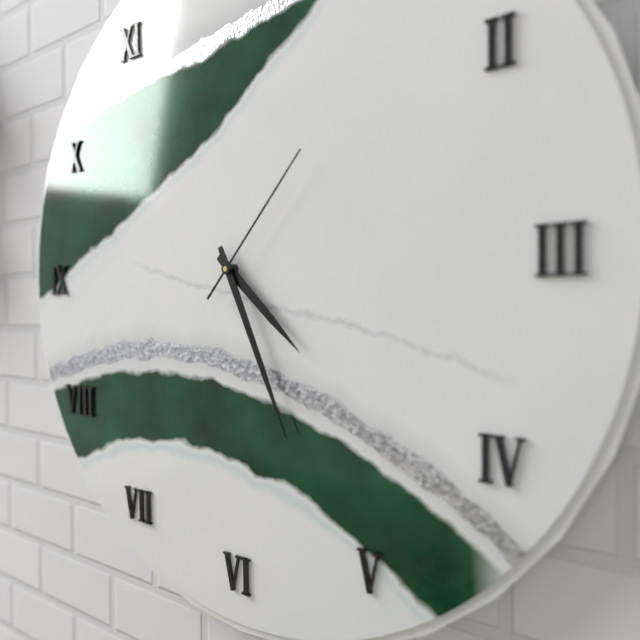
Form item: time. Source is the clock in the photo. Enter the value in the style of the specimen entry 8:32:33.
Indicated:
4:26:07
